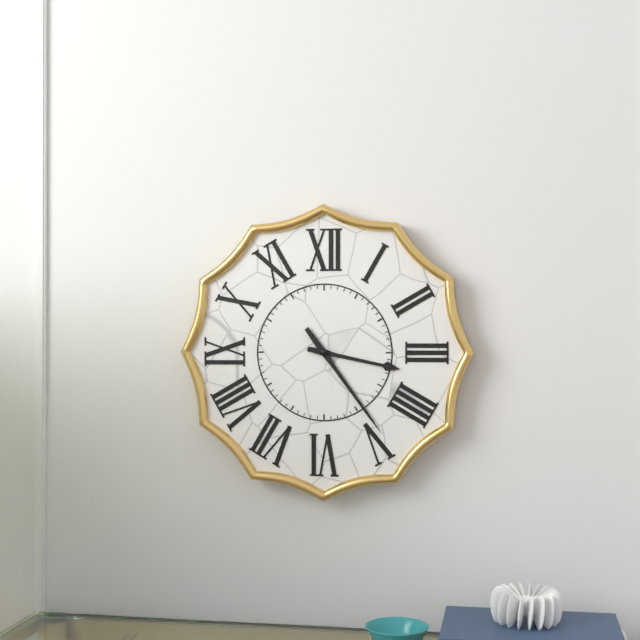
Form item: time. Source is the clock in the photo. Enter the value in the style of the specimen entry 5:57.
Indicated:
3:24
